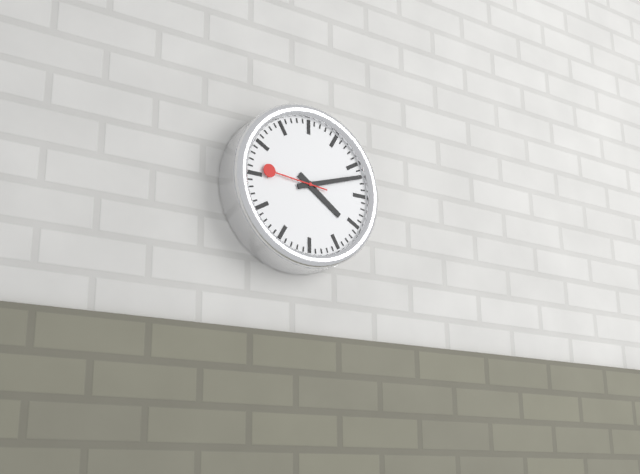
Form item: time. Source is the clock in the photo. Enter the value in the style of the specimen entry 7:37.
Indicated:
4:12
